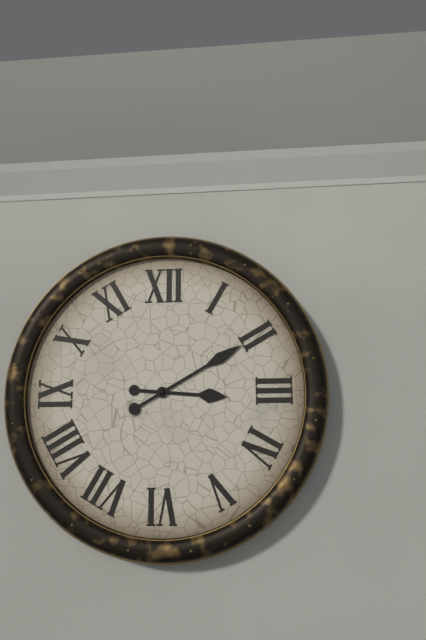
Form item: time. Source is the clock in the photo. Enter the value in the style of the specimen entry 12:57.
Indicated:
3:10
